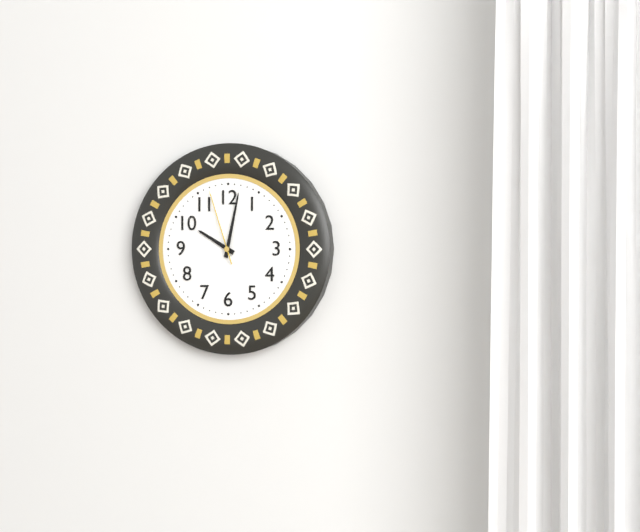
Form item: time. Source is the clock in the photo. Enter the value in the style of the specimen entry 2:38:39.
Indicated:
10:02:57
